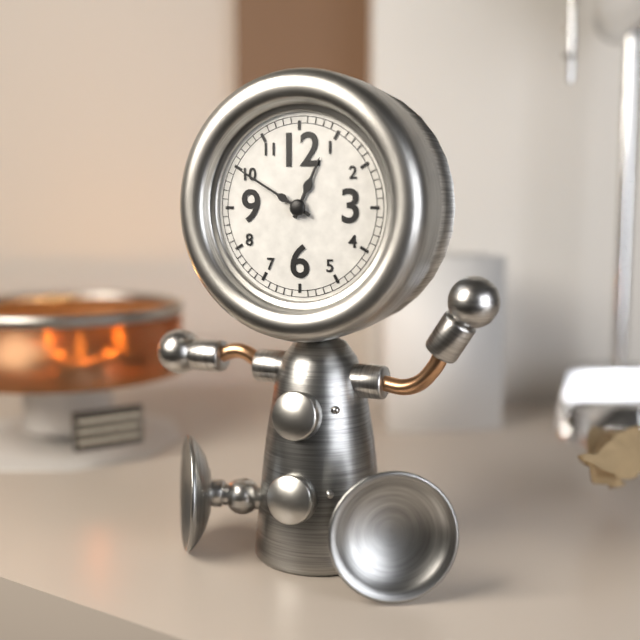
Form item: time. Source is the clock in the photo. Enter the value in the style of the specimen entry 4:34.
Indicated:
12:50
